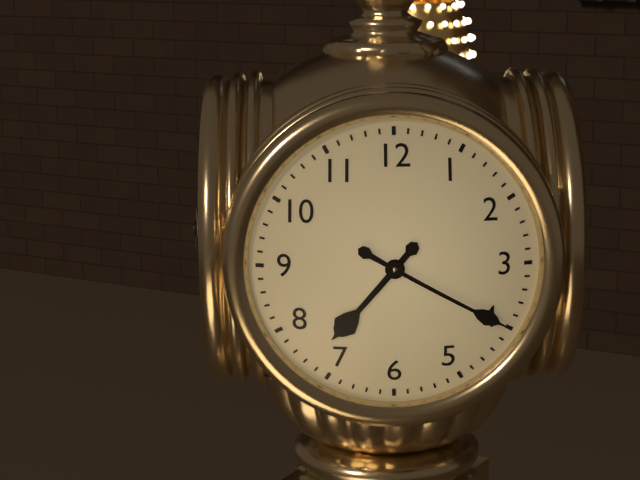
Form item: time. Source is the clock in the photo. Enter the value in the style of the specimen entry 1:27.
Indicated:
7:20
